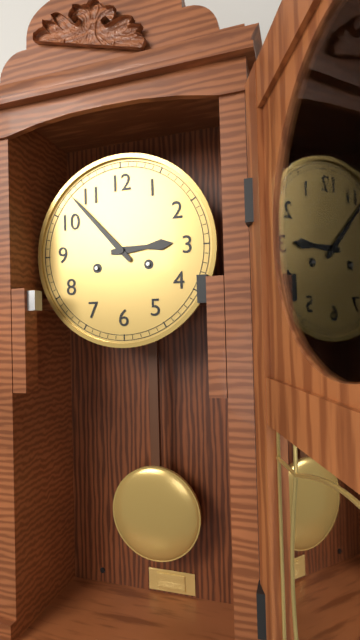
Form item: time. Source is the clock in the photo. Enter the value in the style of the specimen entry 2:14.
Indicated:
2:53
